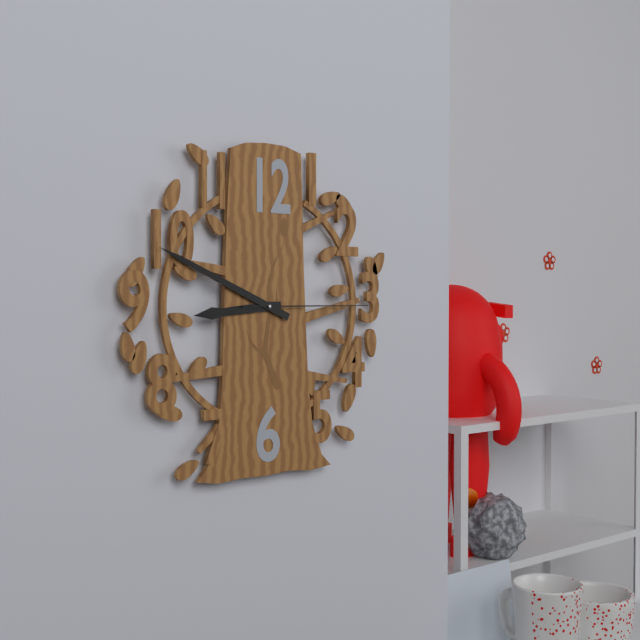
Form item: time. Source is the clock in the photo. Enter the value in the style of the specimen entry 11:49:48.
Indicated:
8:49:15
